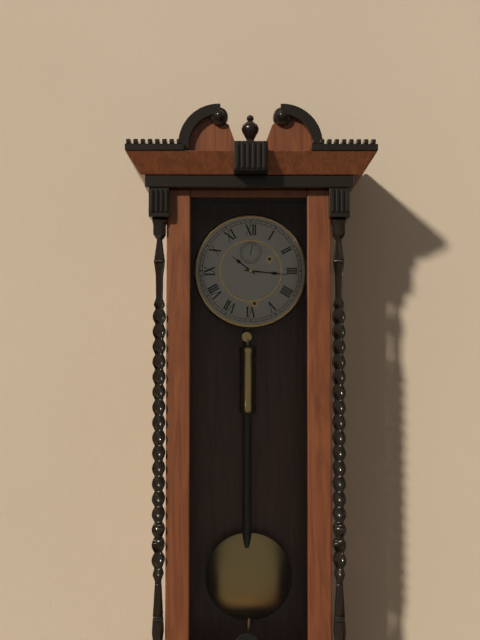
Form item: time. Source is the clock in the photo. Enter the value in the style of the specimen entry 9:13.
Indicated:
10:16
